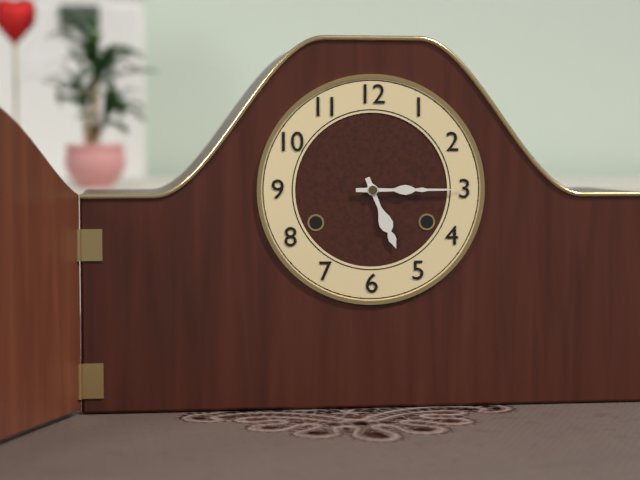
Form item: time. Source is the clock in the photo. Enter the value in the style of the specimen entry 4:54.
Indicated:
5:15
